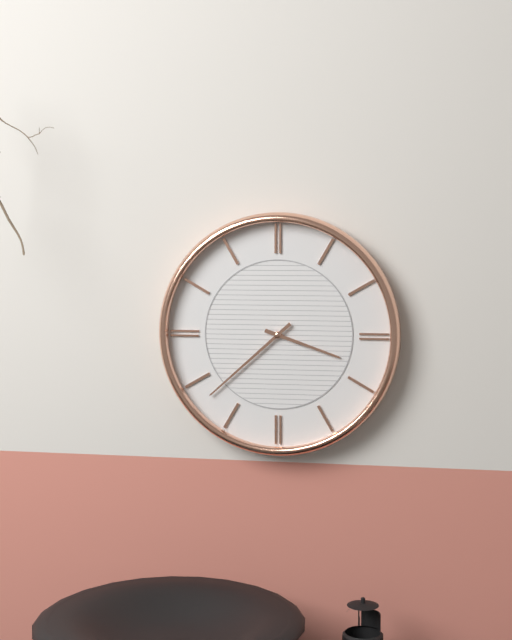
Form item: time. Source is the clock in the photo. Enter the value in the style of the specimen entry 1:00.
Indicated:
3:38
